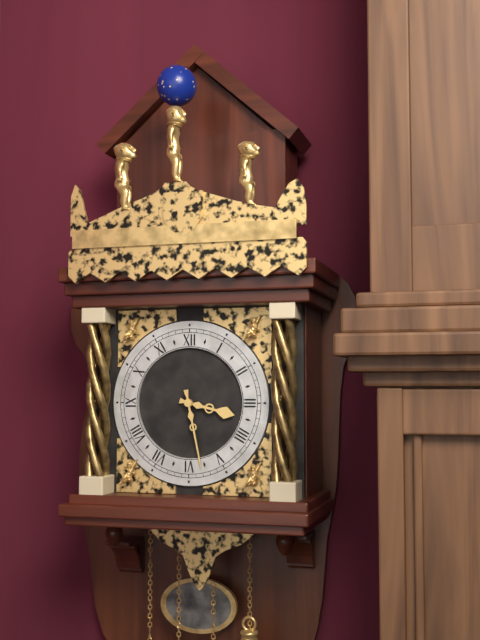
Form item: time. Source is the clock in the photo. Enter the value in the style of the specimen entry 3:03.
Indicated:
3:28
